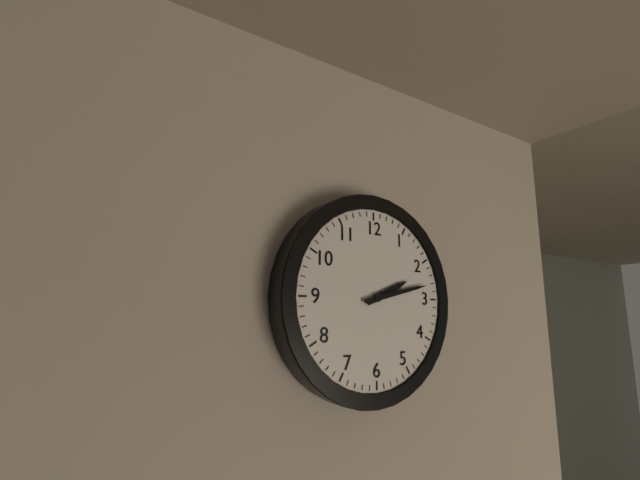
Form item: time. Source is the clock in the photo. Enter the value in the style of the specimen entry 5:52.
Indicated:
2:13
